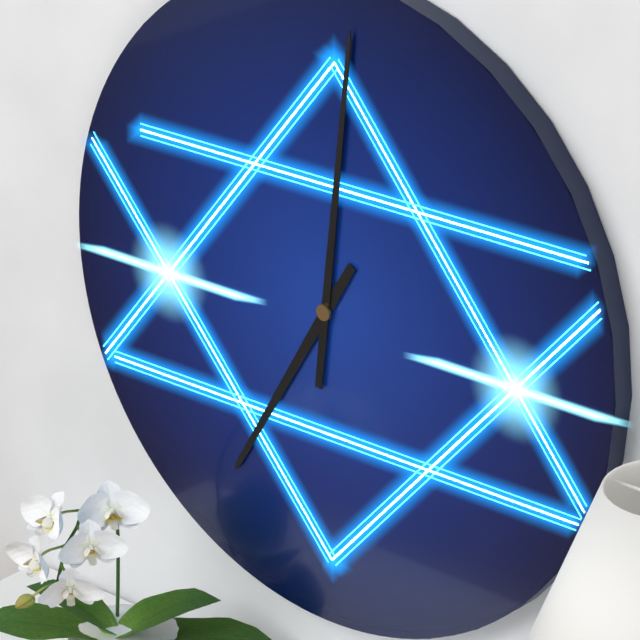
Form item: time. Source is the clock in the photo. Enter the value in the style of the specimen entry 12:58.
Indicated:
7:01
